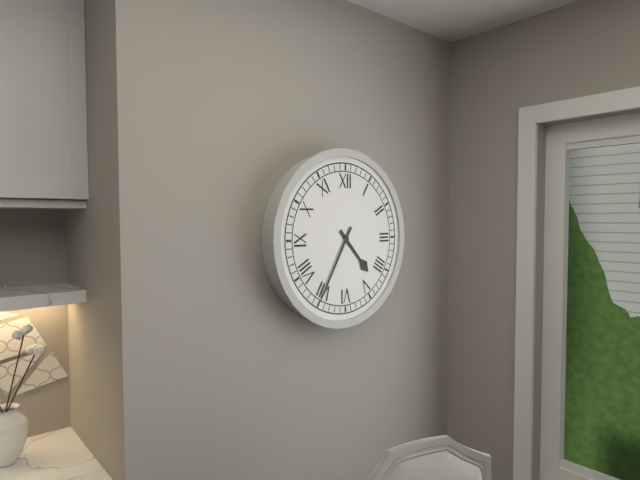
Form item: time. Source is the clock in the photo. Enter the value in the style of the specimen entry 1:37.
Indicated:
4:35
